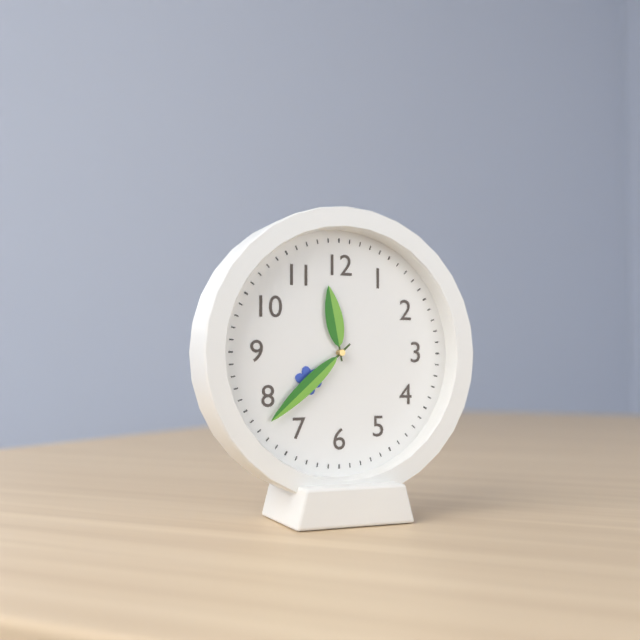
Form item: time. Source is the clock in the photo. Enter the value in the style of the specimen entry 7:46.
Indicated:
11:38
